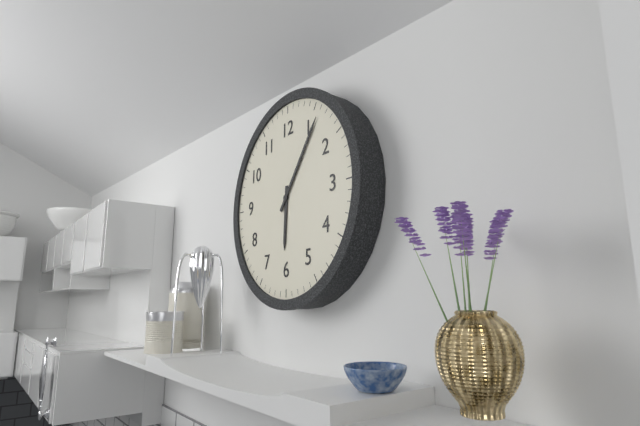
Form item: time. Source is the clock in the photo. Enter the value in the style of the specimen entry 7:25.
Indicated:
6:06
